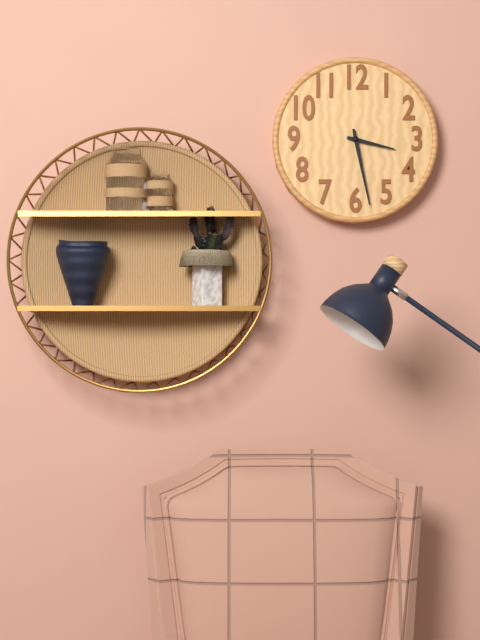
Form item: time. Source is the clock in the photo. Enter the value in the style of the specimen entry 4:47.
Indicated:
3:28
